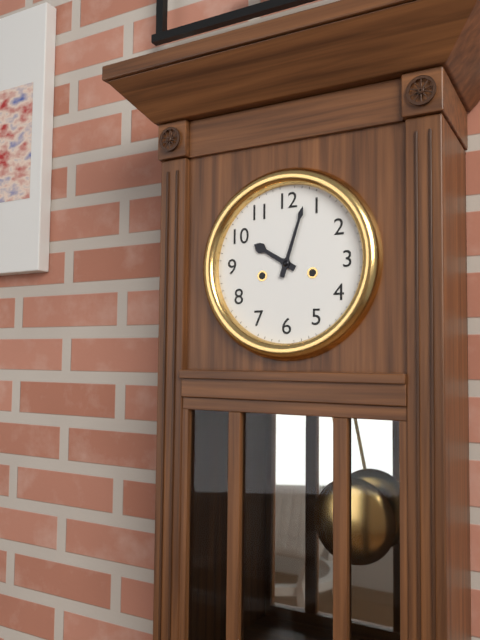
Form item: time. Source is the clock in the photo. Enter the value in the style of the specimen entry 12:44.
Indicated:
10:03
